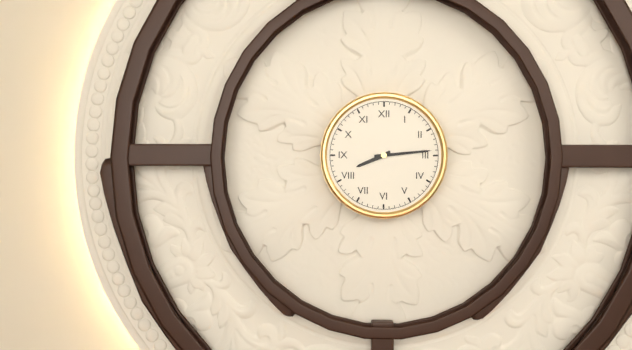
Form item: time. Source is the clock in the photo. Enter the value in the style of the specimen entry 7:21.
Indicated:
8:14
